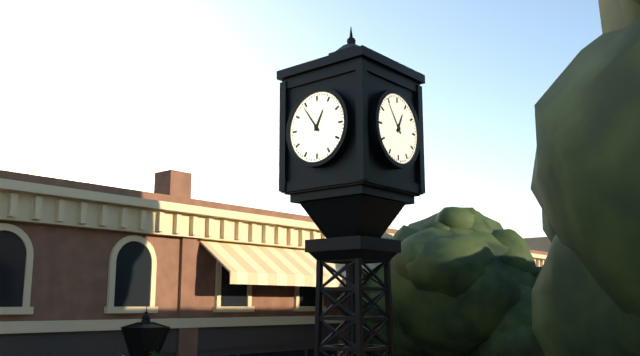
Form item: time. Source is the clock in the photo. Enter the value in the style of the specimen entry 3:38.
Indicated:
12:54
